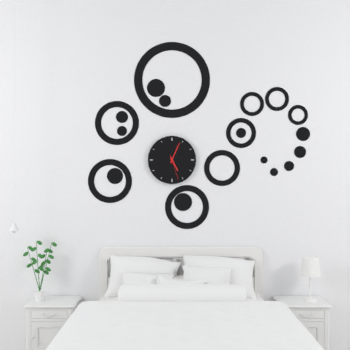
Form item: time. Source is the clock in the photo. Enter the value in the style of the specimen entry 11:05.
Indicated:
5:04
